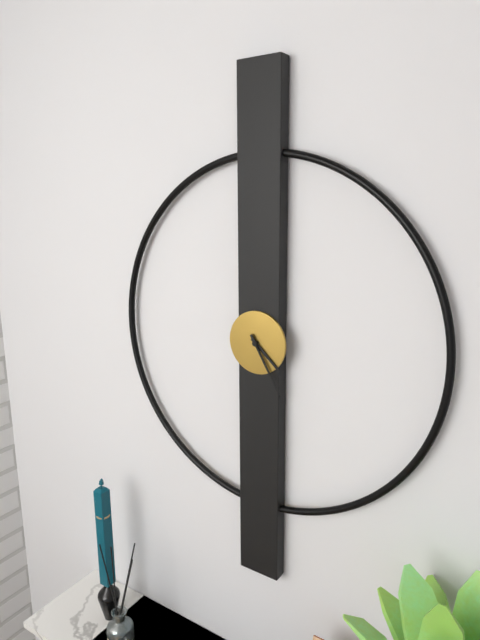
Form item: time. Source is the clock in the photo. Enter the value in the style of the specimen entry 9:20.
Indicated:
4:25
